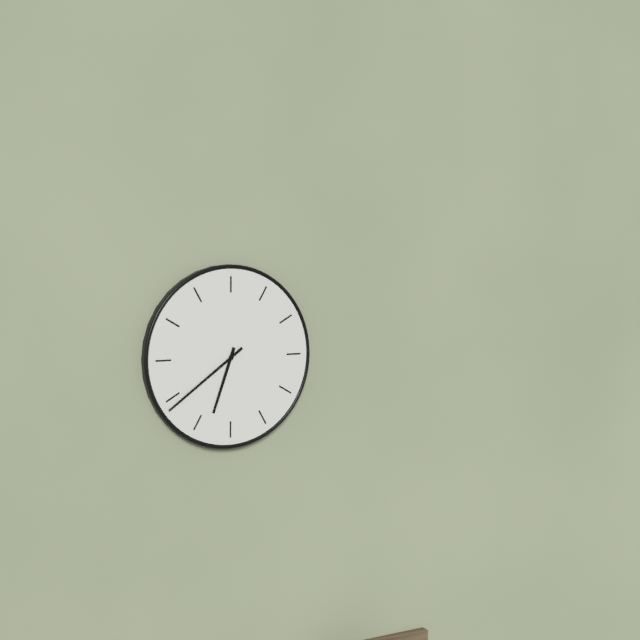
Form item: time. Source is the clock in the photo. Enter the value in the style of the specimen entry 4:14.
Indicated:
6:39
